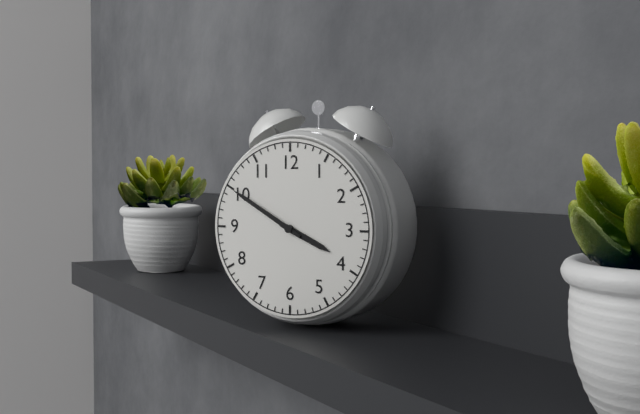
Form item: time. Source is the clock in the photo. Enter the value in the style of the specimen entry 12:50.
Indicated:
3:50
